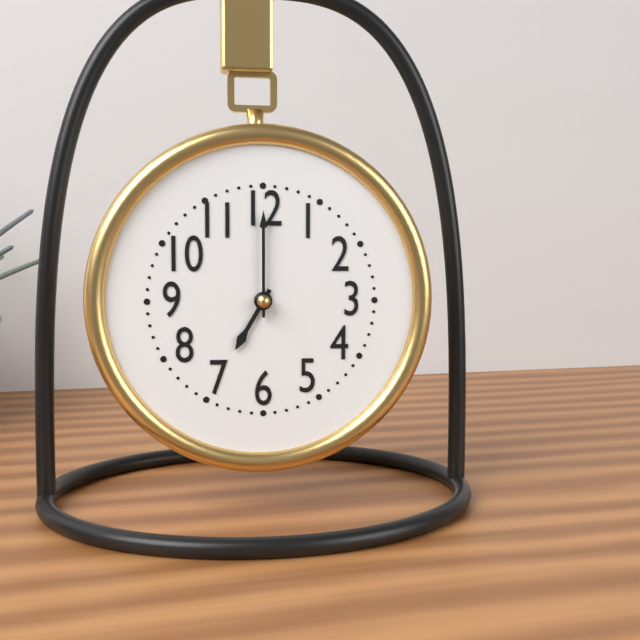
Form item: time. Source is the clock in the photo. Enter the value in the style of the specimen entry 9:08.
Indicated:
7:00
